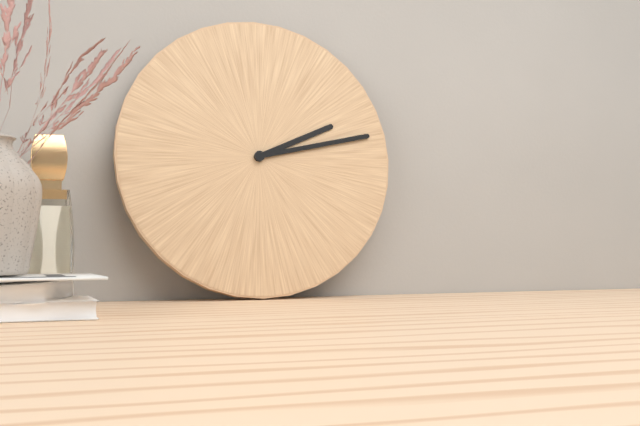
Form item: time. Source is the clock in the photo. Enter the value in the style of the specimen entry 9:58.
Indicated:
2:13
